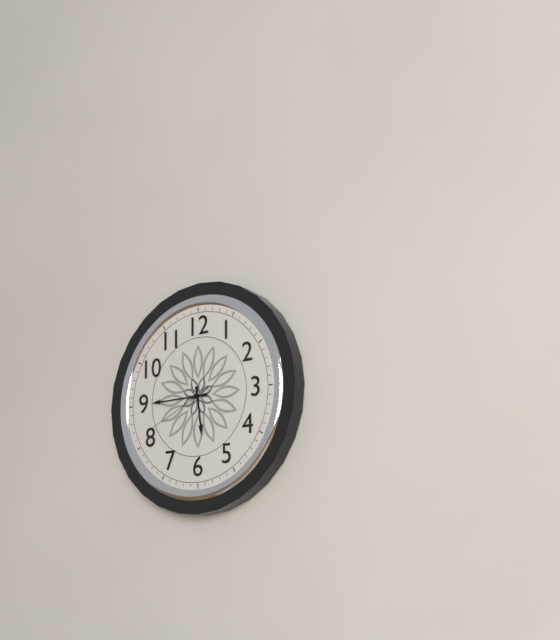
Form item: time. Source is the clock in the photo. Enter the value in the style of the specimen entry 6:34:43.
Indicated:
5:45:41
